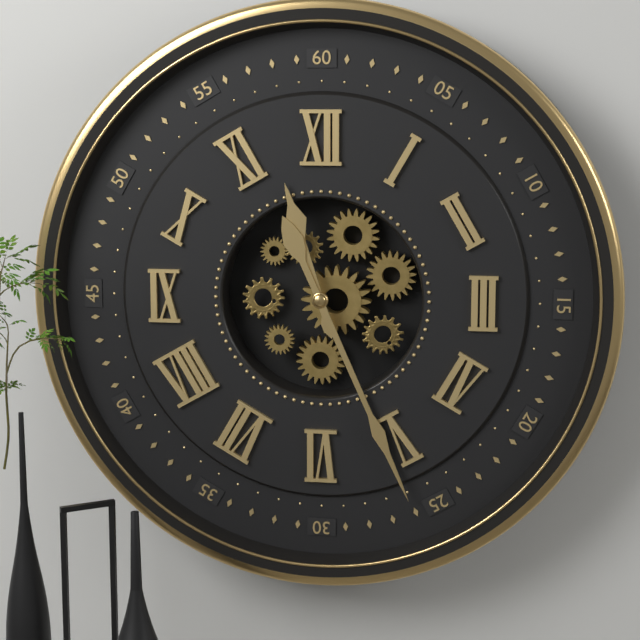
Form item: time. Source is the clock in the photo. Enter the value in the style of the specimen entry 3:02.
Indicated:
11:26
